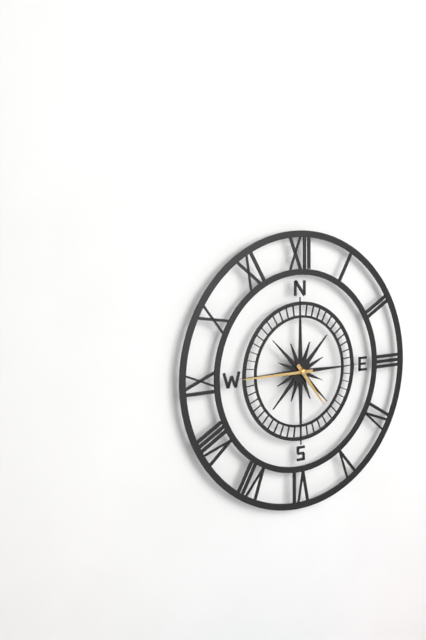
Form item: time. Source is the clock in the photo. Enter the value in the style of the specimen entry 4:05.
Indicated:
4:45
